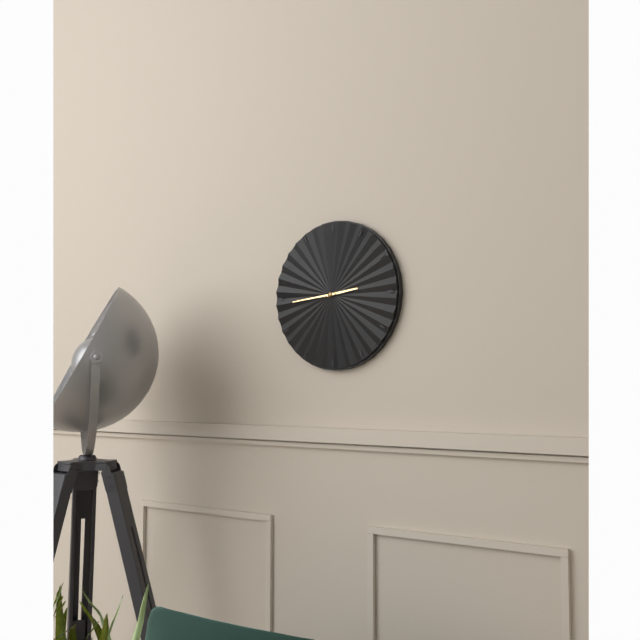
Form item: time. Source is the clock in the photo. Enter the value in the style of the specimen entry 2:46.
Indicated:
2:44
